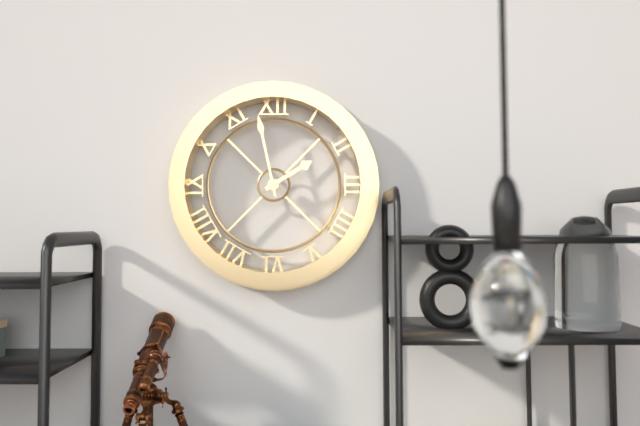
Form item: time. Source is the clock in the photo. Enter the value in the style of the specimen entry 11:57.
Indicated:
1:58
